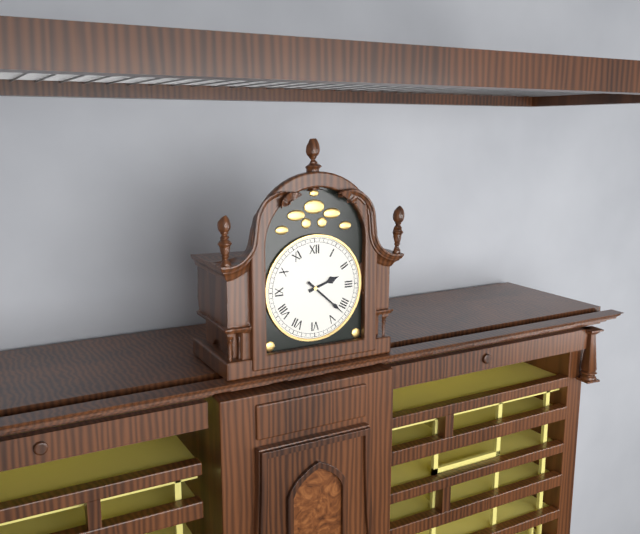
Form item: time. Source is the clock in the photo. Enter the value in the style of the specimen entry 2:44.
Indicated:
2:22
